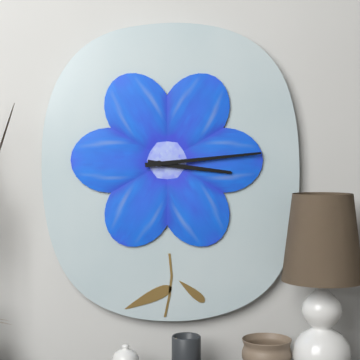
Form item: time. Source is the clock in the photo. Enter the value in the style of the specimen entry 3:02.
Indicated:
3:14
